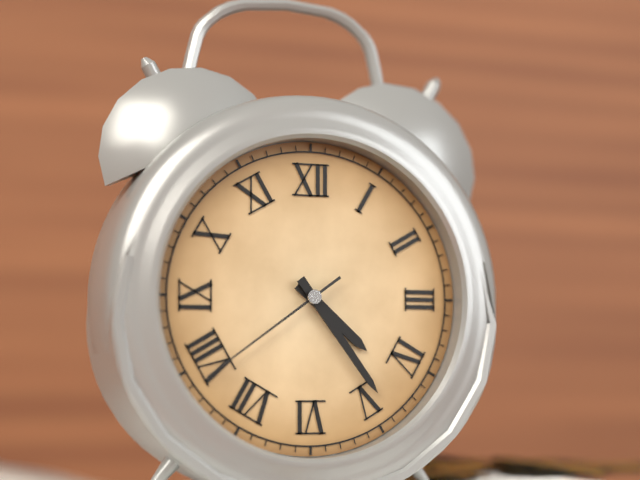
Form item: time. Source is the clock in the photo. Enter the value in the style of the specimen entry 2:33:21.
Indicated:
4:24:39
